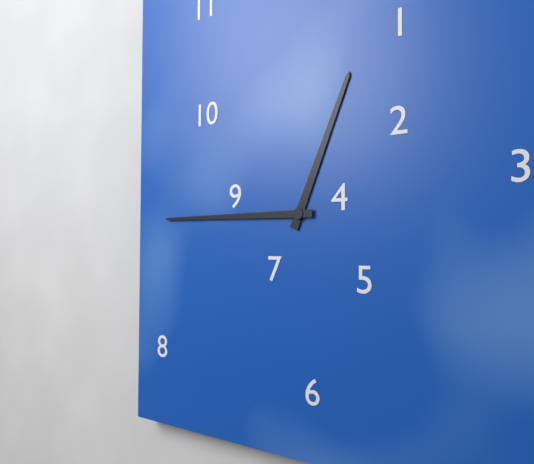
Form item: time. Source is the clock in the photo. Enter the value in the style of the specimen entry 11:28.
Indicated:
12:45
